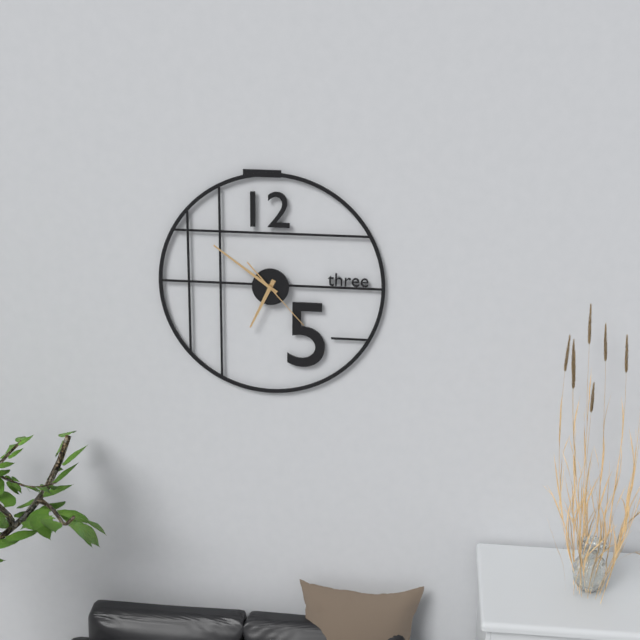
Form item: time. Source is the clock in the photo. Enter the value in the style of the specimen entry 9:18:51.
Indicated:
6:51:23
